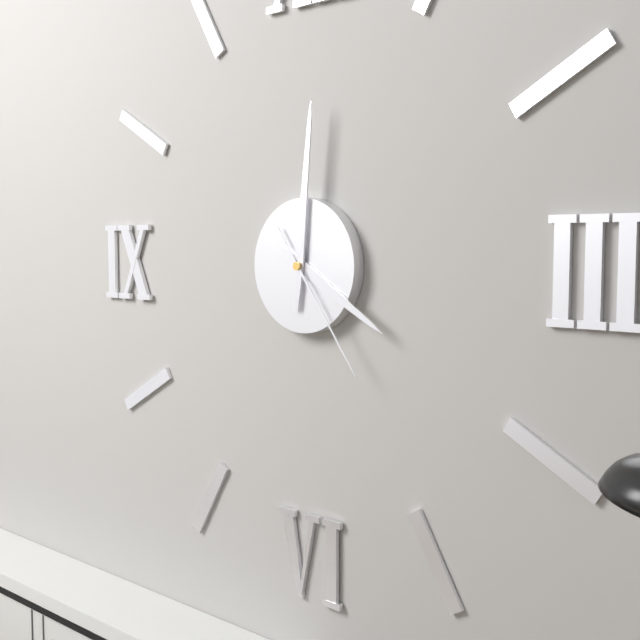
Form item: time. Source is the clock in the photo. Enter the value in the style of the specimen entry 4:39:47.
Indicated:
4:01:24
